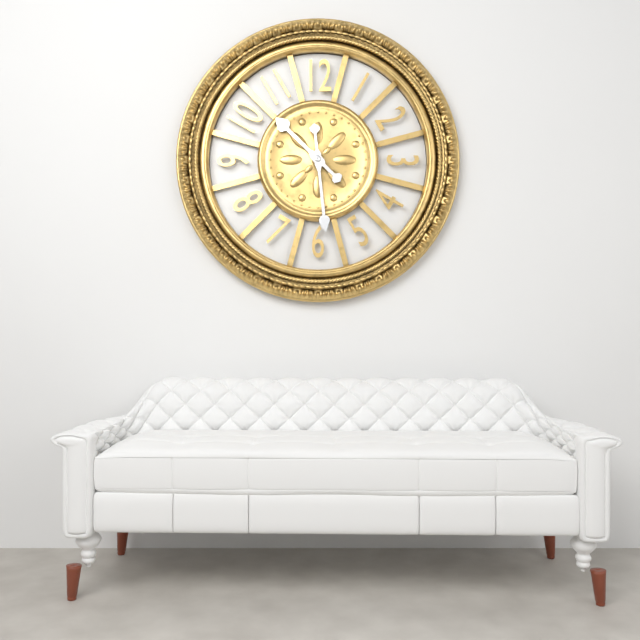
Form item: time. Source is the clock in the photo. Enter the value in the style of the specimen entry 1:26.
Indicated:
10:29
